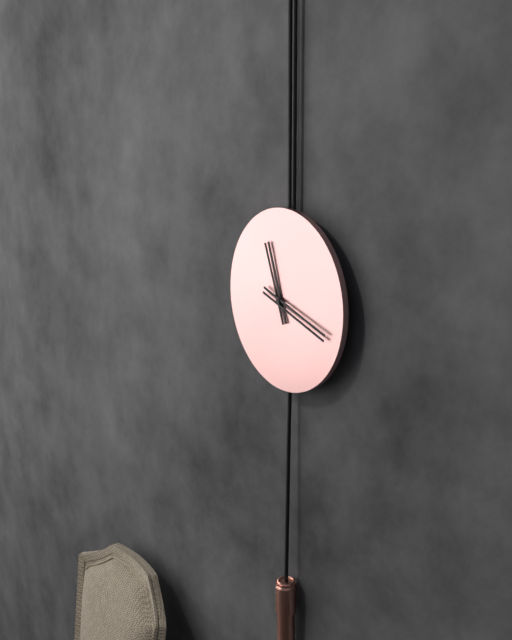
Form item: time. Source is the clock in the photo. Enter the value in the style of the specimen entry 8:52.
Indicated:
11:18
